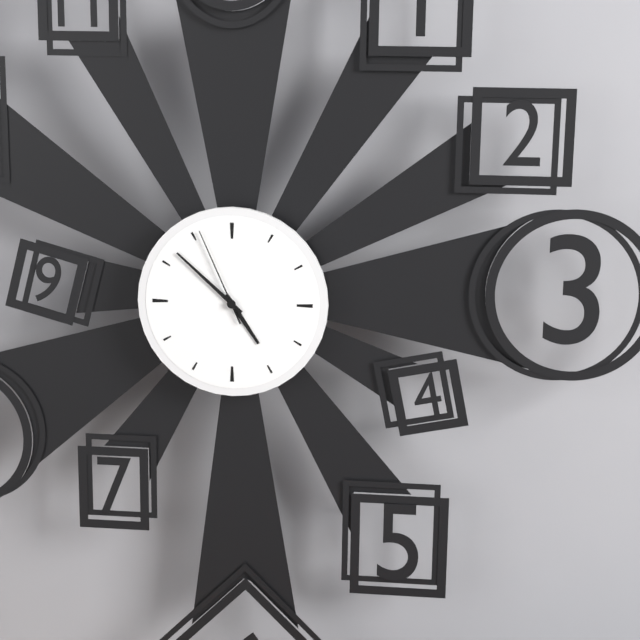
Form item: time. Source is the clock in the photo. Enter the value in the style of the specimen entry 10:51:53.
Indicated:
4:52:56
